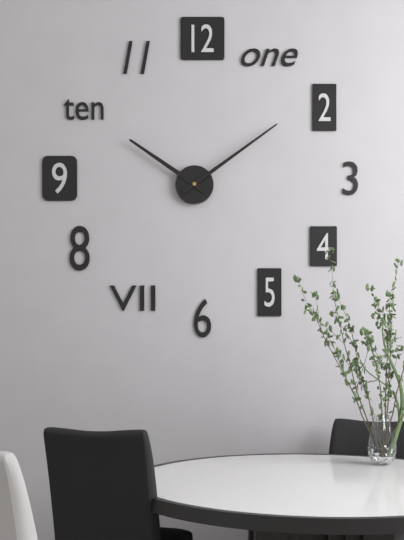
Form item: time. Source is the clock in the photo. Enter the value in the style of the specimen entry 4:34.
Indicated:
10:09
